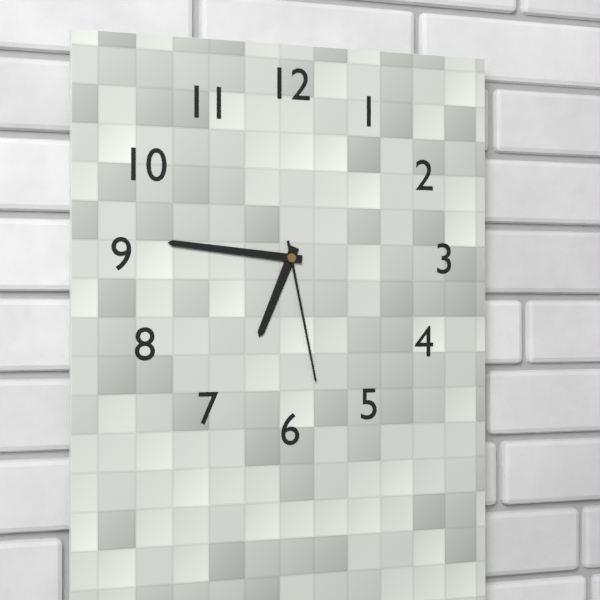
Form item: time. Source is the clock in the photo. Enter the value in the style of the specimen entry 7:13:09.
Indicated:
6:46:28
